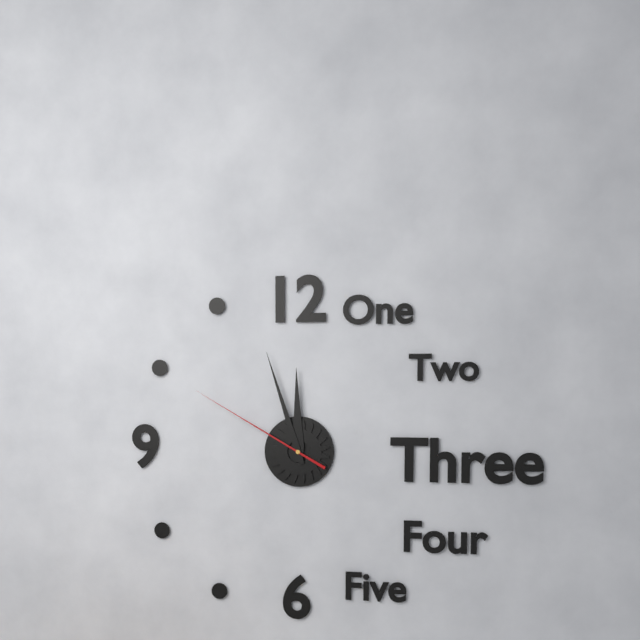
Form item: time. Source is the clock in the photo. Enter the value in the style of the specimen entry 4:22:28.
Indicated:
11:57:50
